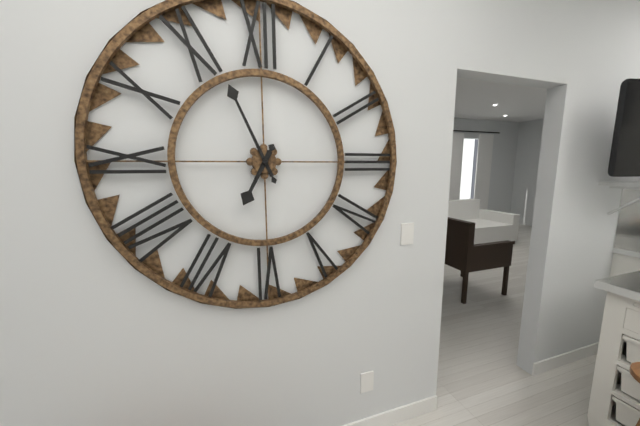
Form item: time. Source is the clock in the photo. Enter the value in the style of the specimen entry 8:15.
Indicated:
6:56
